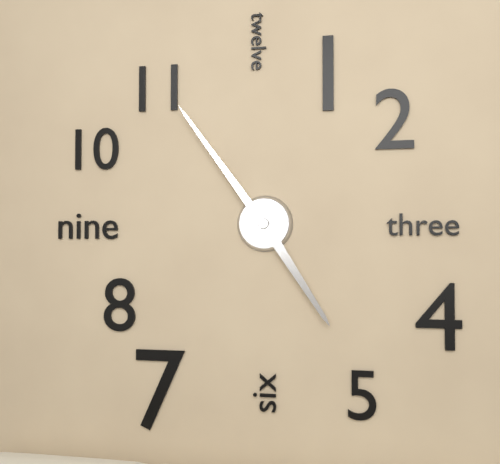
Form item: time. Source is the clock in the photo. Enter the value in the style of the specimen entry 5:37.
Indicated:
4:54
